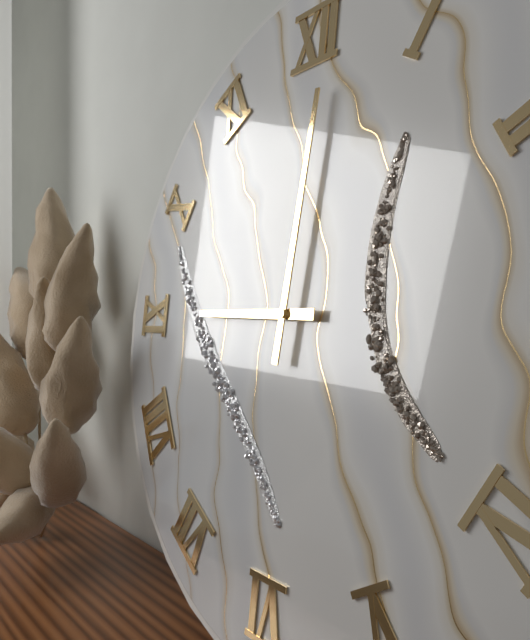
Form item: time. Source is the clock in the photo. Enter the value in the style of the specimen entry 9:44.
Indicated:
9:01
